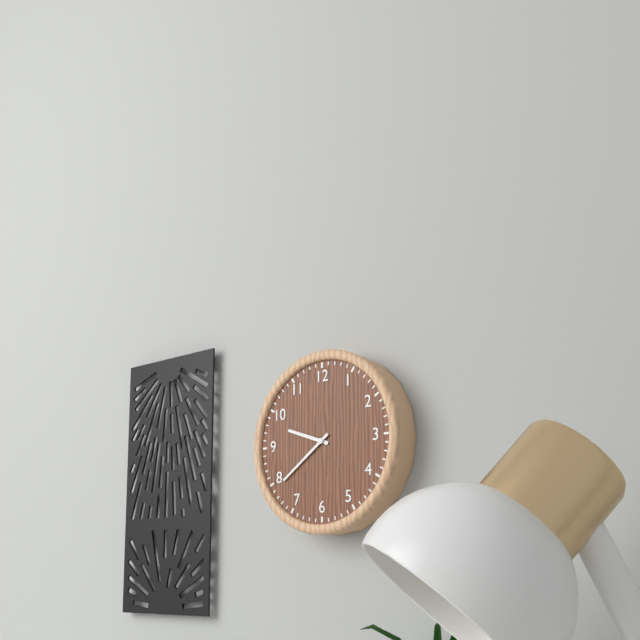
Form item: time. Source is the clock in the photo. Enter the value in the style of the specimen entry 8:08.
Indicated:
9:39
